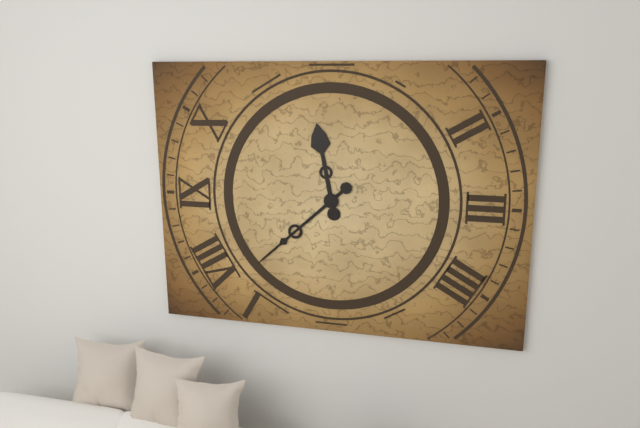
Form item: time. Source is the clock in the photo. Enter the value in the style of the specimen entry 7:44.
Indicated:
11:38
